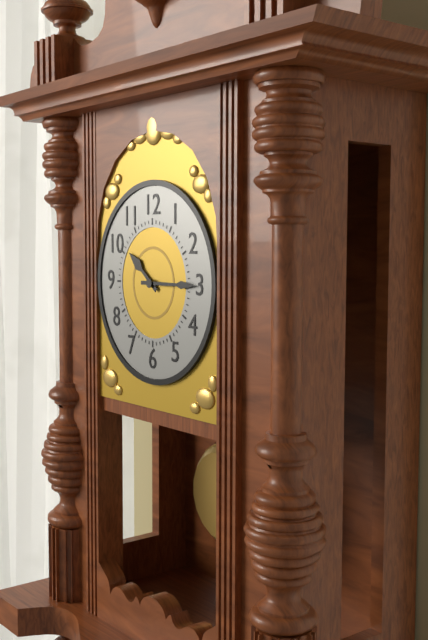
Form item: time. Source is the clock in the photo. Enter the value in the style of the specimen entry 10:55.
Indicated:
10:15
